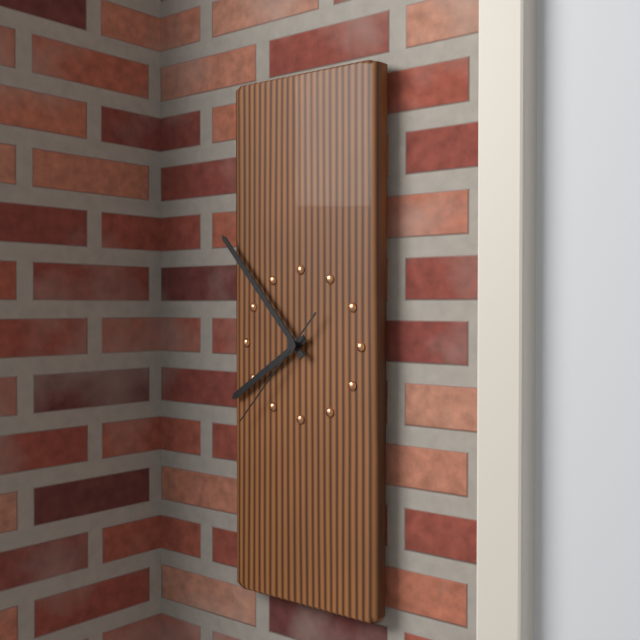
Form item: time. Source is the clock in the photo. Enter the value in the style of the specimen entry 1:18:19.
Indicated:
7:53:37
